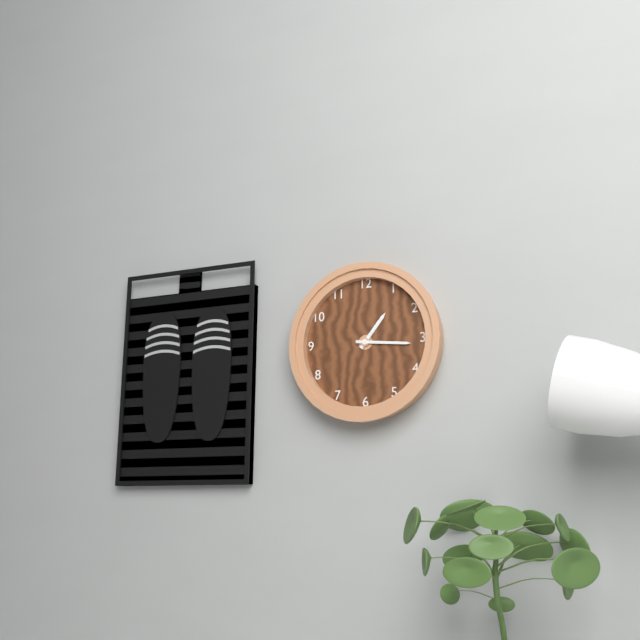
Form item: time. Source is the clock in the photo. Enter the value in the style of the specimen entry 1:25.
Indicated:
1:16
